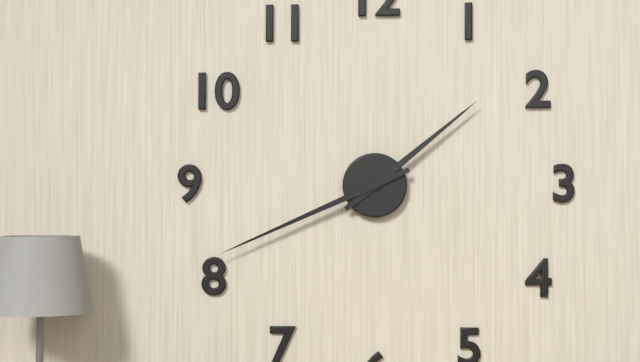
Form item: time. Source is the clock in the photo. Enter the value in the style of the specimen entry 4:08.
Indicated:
1:41
